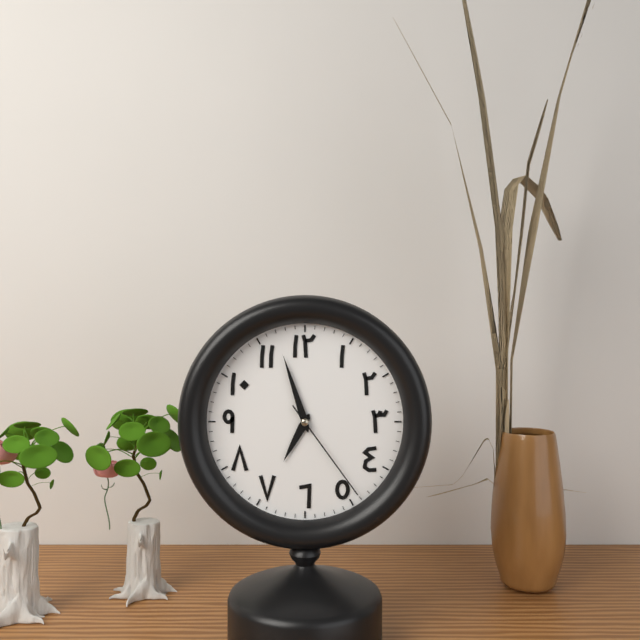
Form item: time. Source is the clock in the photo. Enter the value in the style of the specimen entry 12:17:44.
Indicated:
6:57:24
